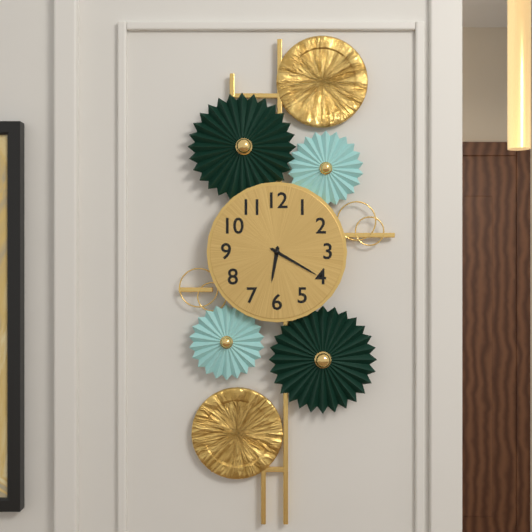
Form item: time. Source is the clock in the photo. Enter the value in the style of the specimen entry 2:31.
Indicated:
6:20
